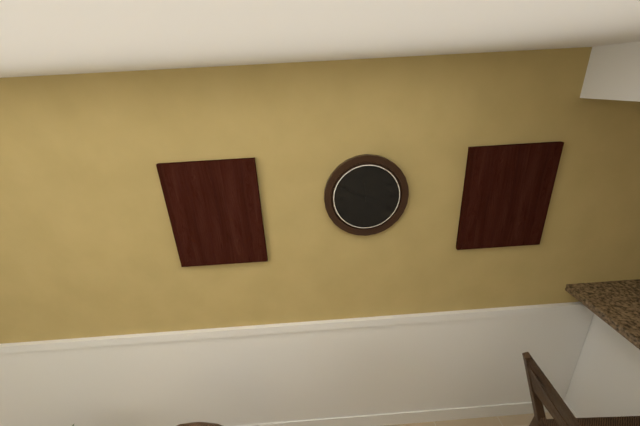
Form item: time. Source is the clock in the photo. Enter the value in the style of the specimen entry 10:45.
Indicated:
11:49
